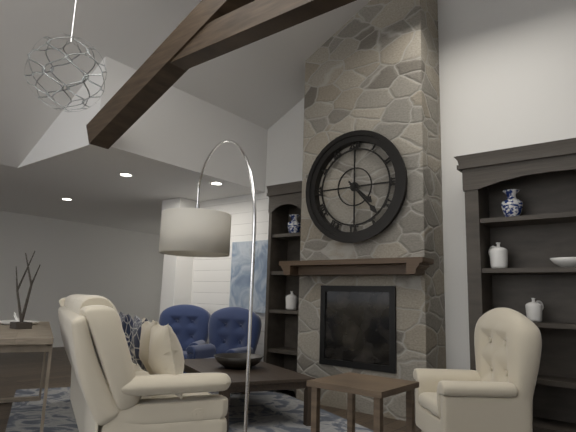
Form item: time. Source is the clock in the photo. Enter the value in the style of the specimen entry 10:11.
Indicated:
4:23
